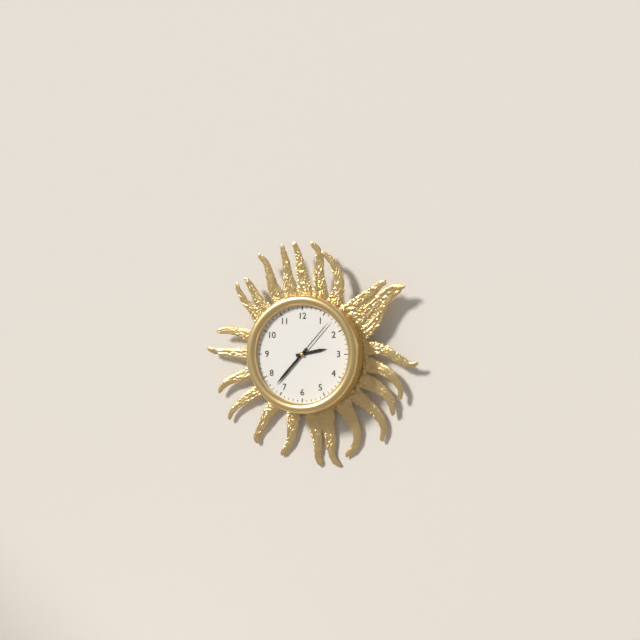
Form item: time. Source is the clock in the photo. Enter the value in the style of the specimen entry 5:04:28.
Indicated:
2:37:07
